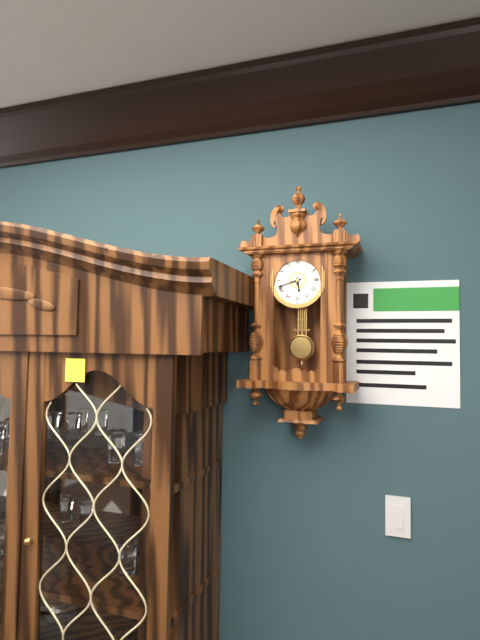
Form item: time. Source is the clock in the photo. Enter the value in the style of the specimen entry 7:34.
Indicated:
5:42
